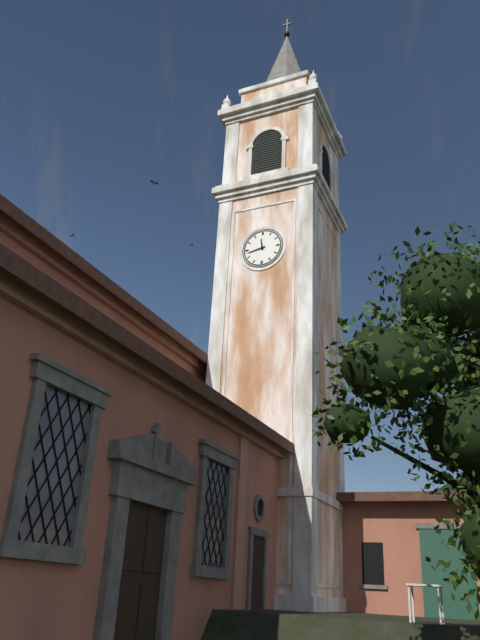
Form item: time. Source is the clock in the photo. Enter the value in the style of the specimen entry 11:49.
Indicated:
11:43
